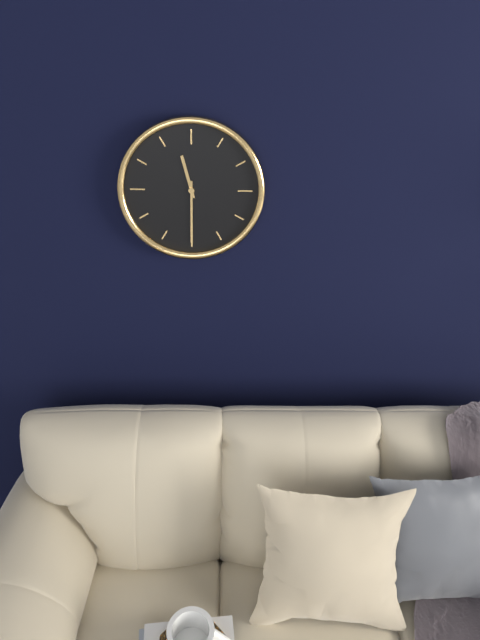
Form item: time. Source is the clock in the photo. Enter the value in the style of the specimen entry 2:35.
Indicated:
11:30
